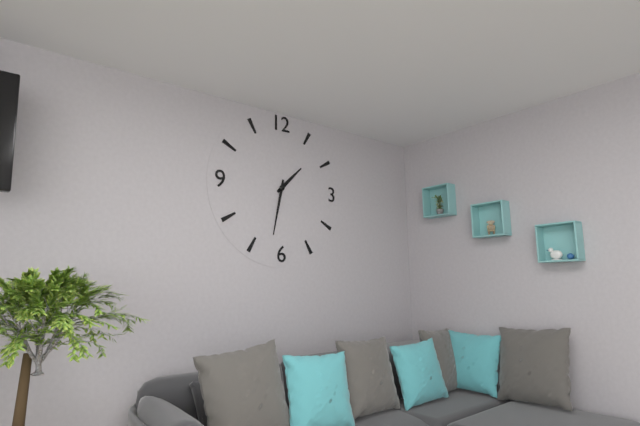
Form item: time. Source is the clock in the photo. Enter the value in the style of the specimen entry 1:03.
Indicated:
1:32
